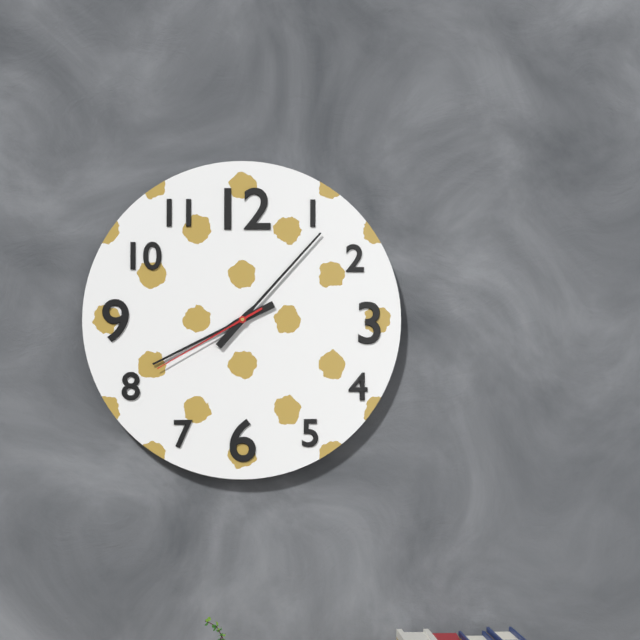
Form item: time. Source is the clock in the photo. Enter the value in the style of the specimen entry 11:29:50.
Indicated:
8:07:40
